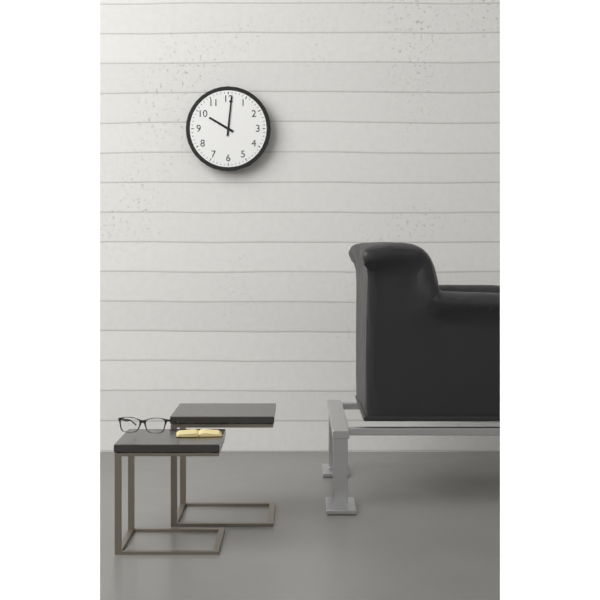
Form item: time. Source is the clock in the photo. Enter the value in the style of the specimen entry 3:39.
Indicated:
10:01
